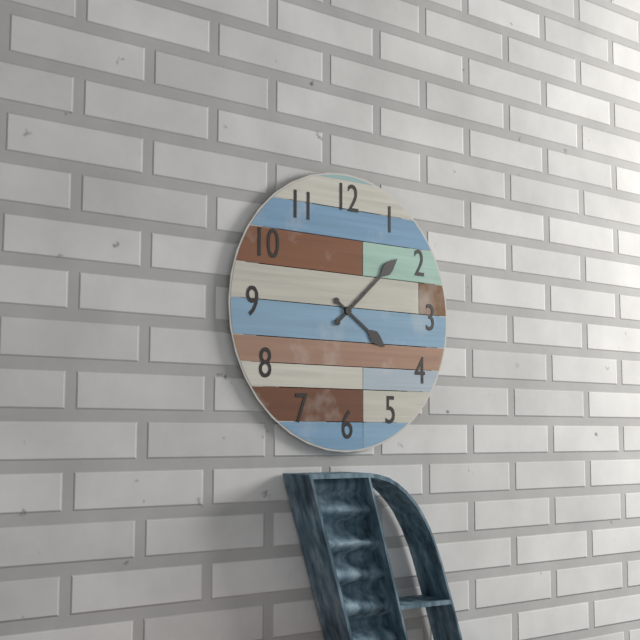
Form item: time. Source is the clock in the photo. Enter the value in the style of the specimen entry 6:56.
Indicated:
4:08
